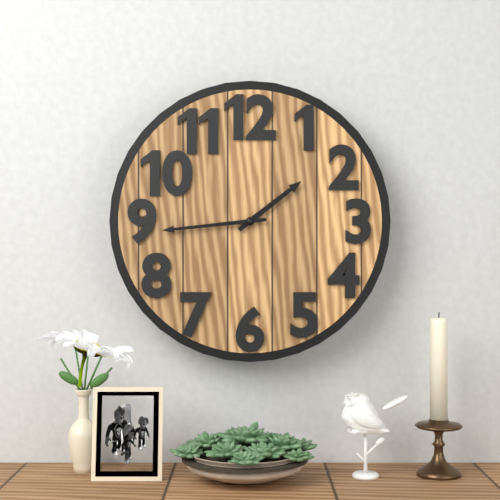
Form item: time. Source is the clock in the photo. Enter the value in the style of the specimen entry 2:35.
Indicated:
1:44
